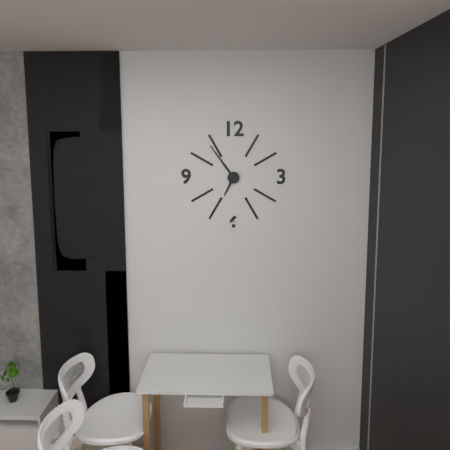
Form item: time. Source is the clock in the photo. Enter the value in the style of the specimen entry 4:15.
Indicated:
6:54
